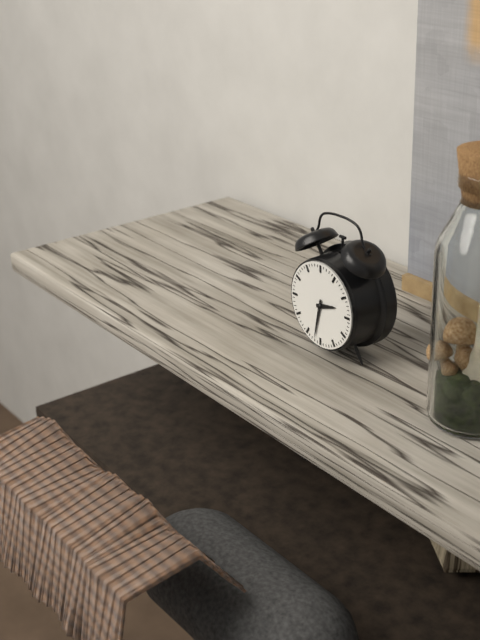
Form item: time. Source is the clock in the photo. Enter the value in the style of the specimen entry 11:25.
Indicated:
2:32
